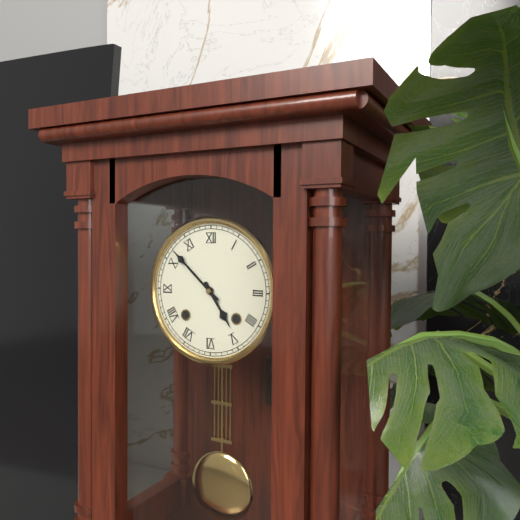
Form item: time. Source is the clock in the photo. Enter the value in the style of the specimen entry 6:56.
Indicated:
4:52
